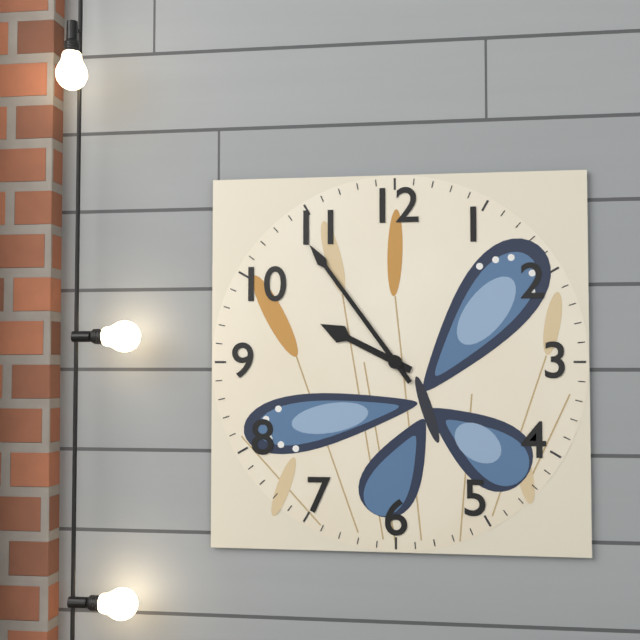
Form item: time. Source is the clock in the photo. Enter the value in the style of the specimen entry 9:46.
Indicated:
9:54
